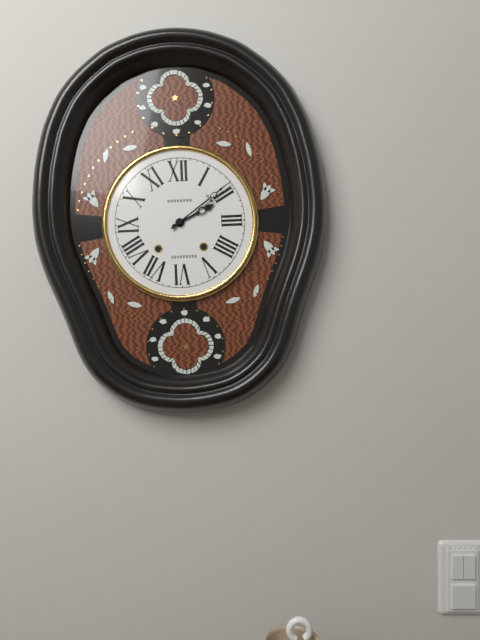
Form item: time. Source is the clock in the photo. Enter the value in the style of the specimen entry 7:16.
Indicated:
2:09
